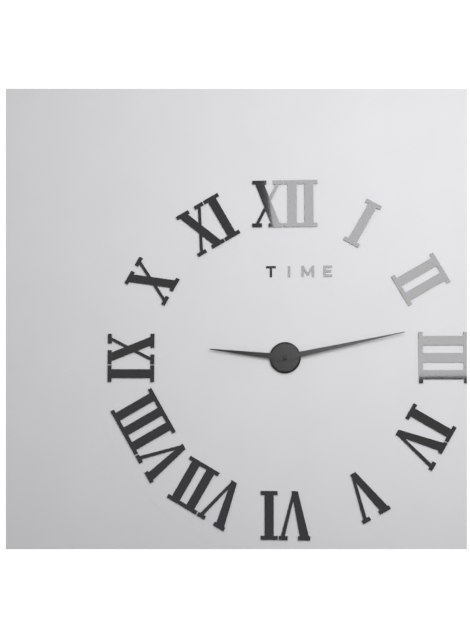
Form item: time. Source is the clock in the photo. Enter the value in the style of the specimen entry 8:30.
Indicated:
9:13
